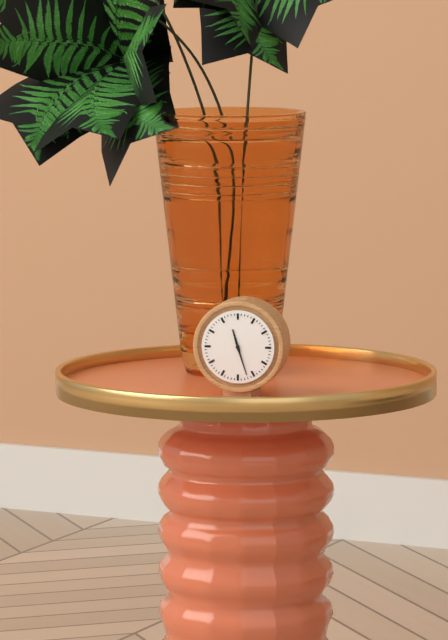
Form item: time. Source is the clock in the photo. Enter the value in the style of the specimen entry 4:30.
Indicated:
11:27
